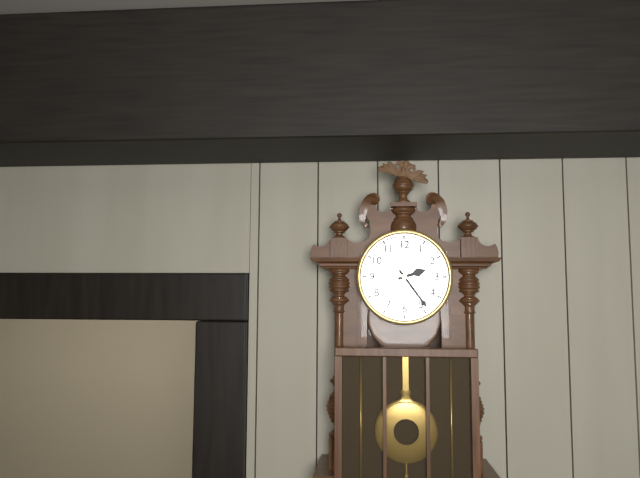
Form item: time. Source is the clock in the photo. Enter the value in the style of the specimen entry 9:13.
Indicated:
2:24
